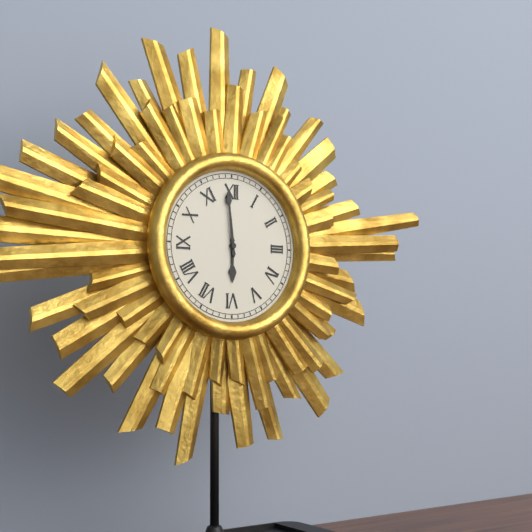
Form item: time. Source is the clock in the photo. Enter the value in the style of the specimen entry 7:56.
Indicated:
5:59
